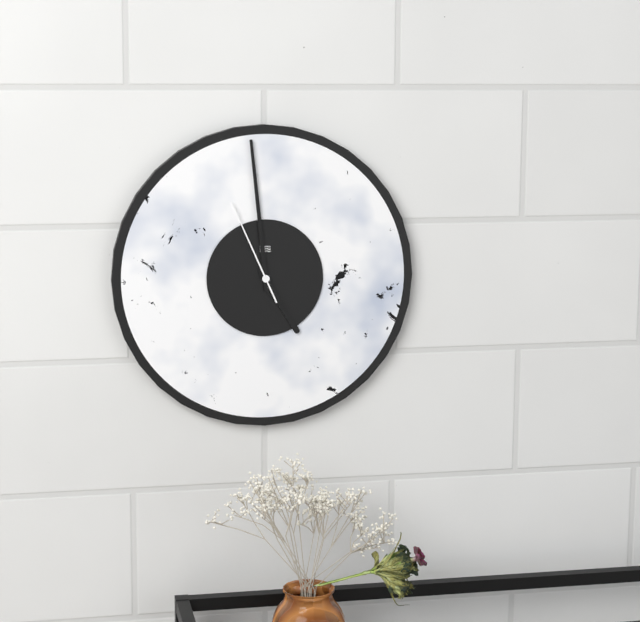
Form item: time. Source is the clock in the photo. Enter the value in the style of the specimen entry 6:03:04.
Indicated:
4:59:56
